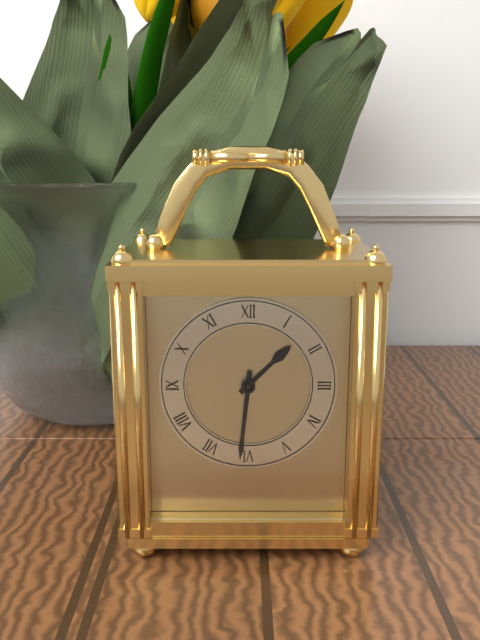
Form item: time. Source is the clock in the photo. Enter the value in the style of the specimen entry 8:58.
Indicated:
1:31
